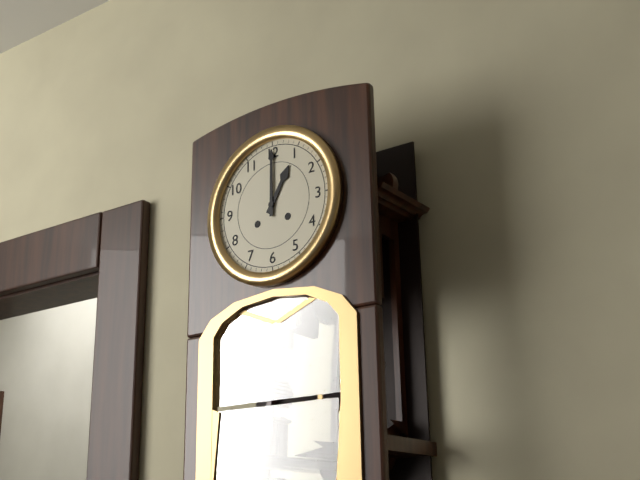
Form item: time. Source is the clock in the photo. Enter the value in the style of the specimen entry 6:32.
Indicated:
1:00
